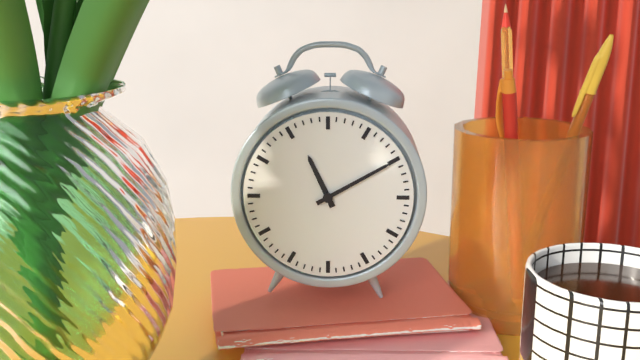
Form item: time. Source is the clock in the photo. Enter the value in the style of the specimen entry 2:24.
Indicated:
11:10
